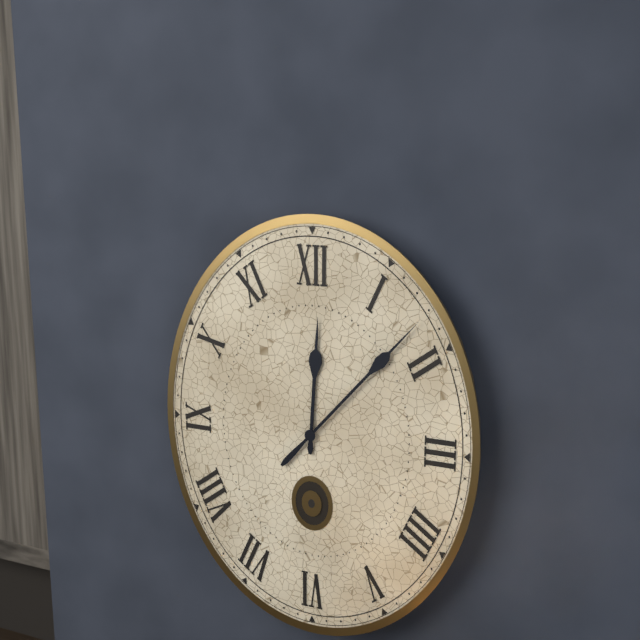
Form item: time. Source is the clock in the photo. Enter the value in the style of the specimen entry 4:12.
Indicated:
12:07
